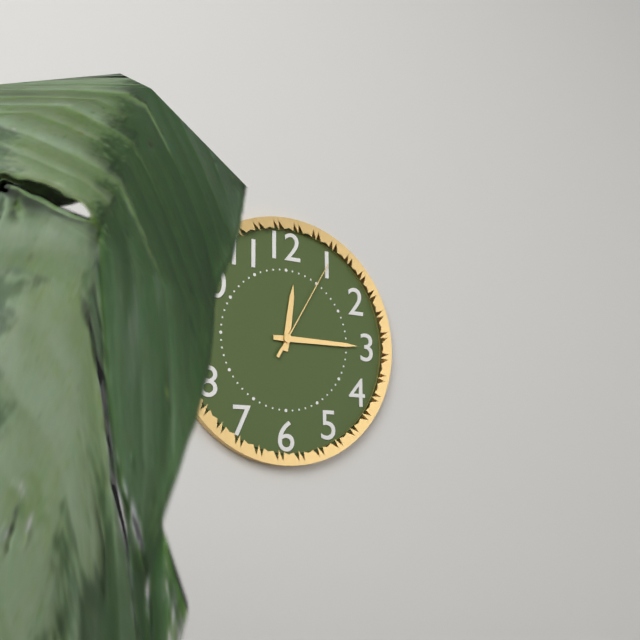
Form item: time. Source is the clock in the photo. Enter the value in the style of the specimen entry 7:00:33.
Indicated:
12:15:05
